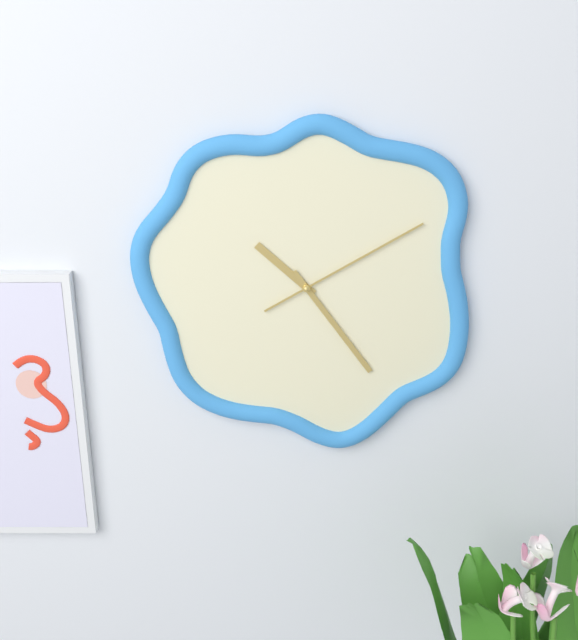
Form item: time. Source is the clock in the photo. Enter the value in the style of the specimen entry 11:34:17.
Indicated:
10:24:10
